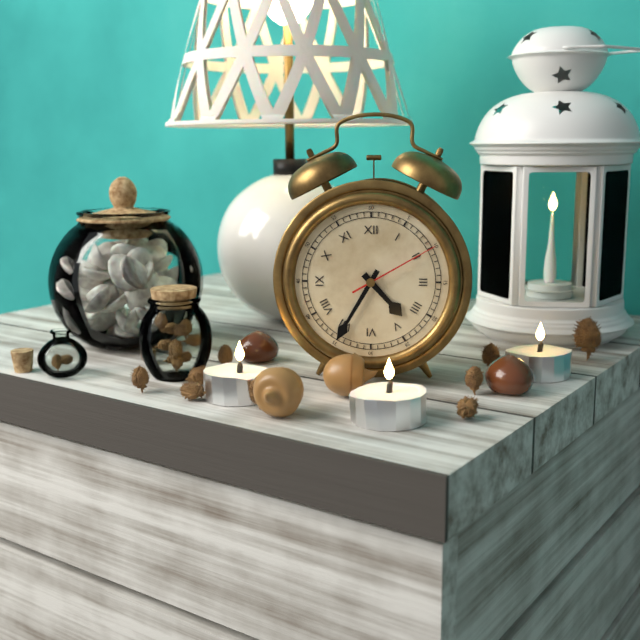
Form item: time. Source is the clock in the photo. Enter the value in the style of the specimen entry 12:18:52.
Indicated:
4:35:10
